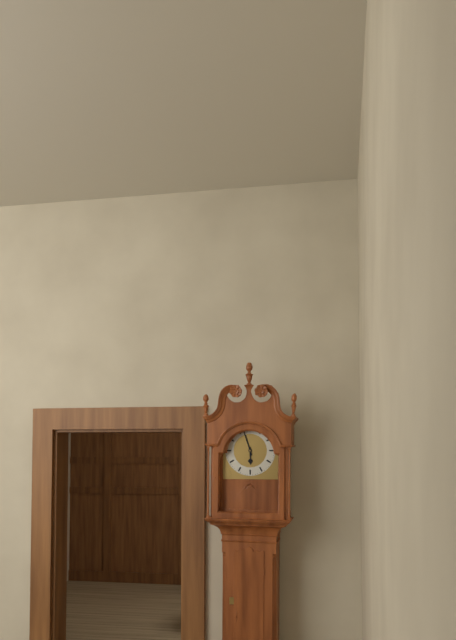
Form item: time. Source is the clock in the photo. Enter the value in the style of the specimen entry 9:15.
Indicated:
5:57
